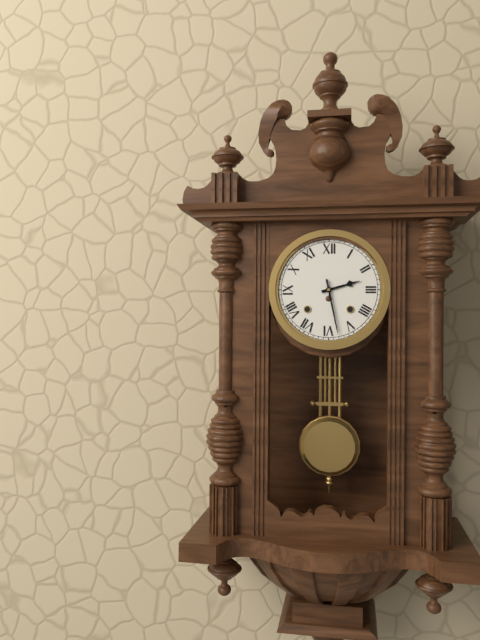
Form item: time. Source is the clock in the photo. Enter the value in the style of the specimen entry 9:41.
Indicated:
2:28
